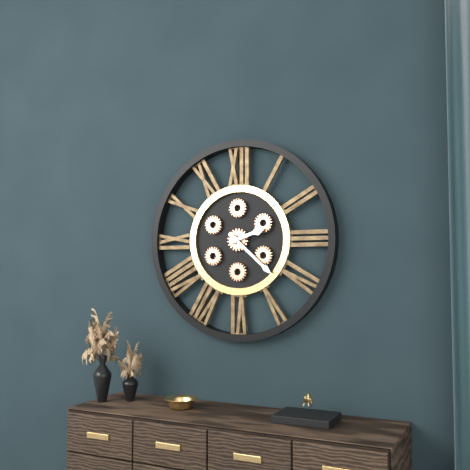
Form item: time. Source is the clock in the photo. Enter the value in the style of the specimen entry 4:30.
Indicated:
2:22
